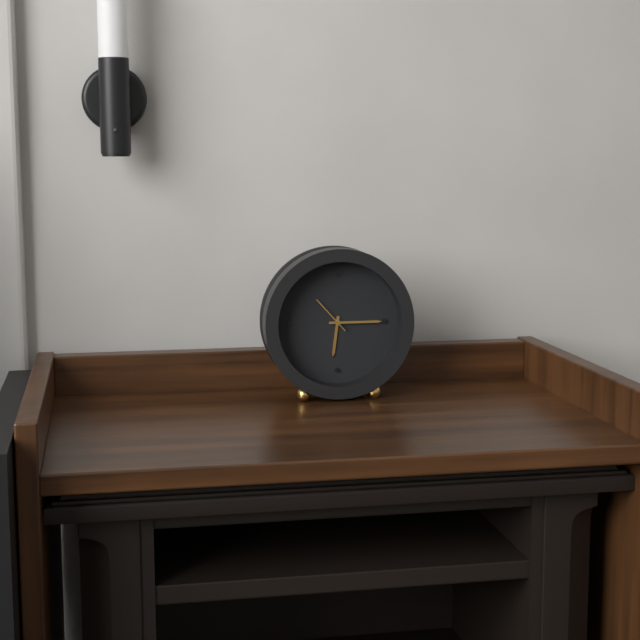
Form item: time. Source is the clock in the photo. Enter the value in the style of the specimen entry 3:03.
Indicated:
6:15
